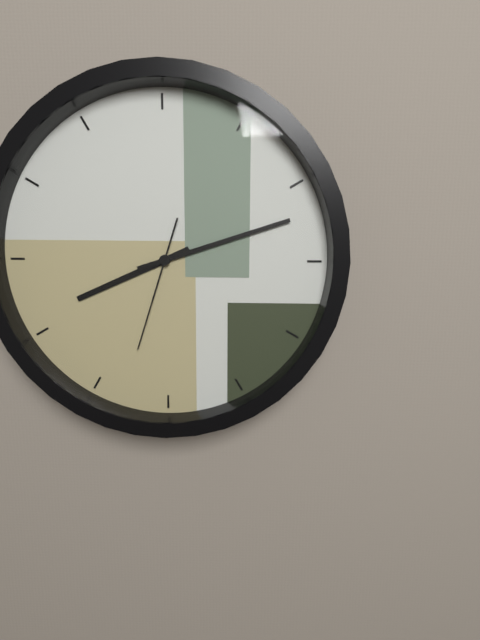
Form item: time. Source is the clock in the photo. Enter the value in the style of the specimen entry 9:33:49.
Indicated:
8:12:33
